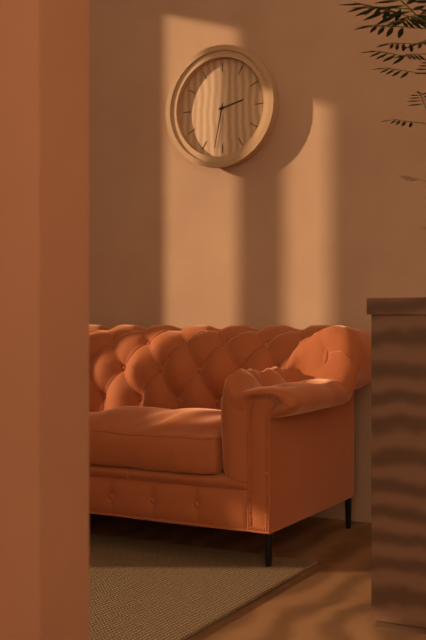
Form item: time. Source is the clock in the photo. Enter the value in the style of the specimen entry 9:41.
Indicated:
2:32
